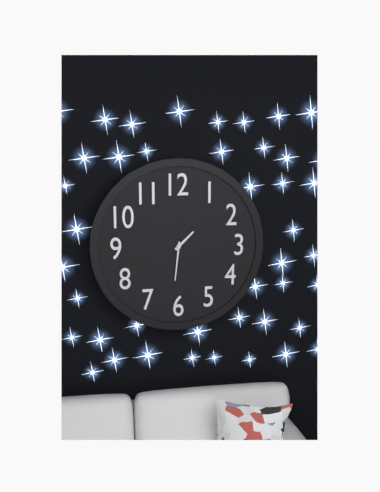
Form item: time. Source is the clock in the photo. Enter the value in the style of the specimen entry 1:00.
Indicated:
1:31
